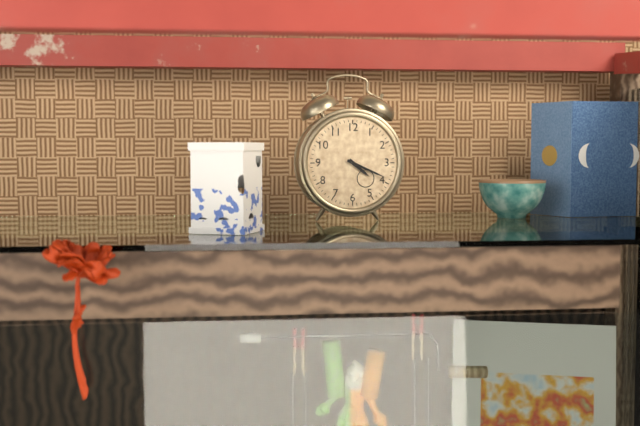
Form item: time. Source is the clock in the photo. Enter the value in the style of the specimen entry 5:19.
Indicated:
4:19
